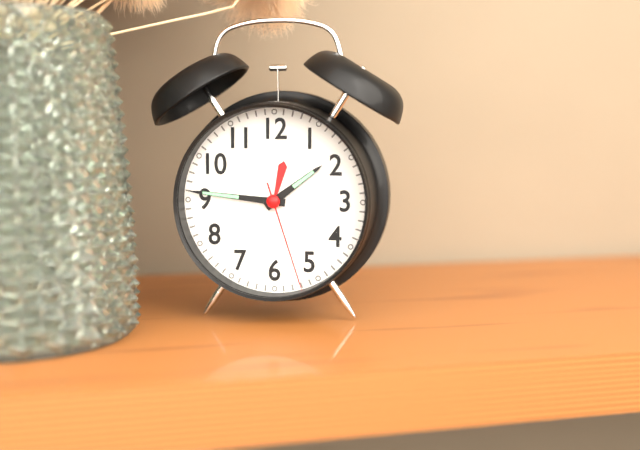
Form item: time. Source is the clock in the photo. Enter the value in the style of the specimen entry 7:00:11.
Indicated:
1:46:27
